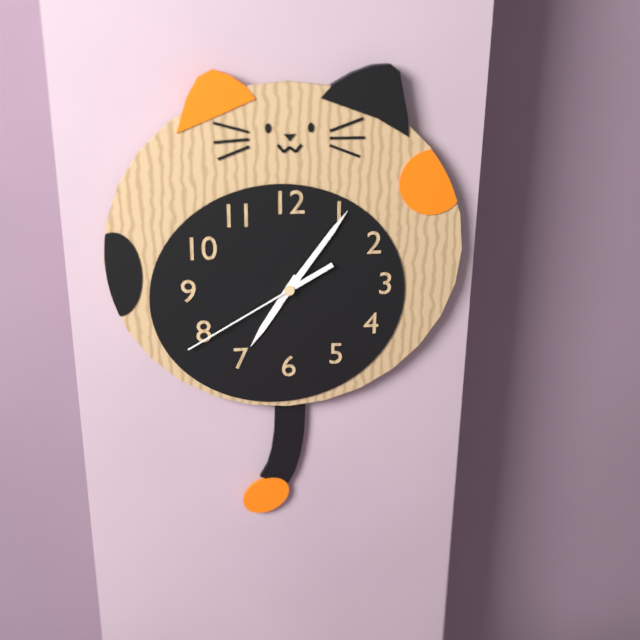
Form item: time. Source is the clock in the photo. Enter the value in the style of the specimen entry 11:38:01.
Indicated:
7:06:40
